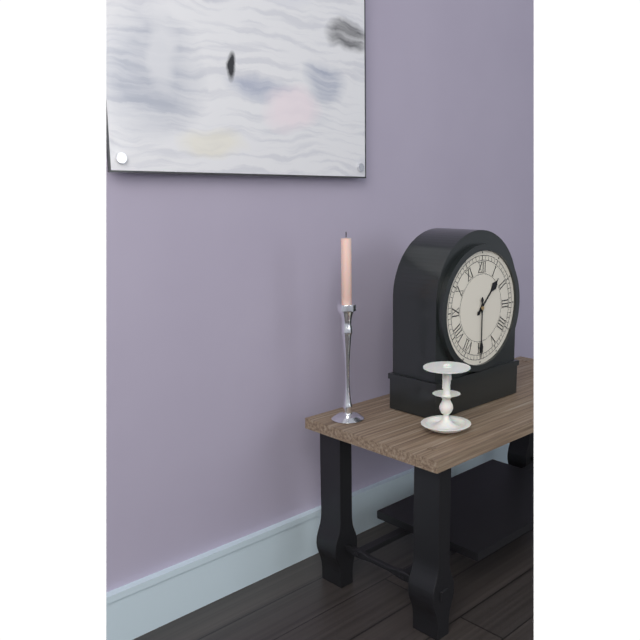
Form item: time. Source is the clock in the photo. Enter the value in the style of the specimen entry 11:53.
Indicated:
1:30
